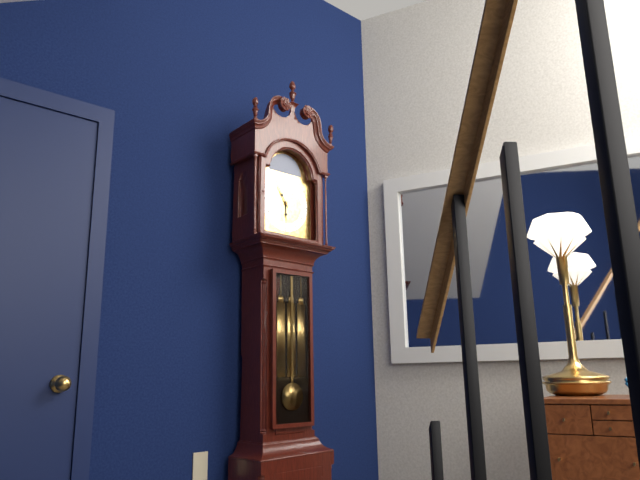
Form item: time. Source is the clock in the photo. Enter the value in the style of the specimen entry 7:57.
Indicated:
5:55
